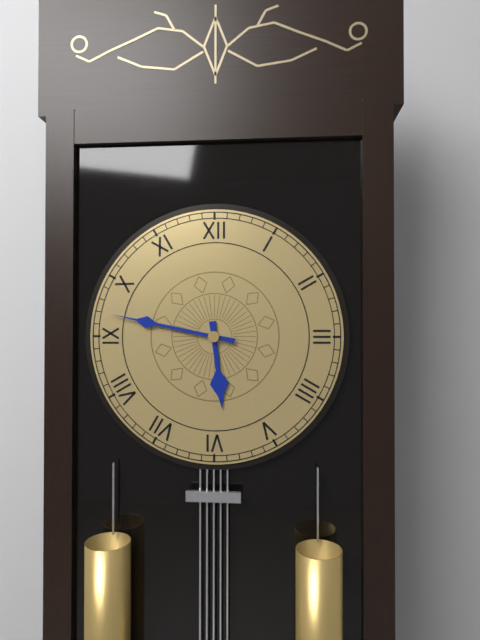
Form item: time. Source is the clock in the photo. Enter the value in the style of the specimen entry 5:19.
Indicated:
5:47
